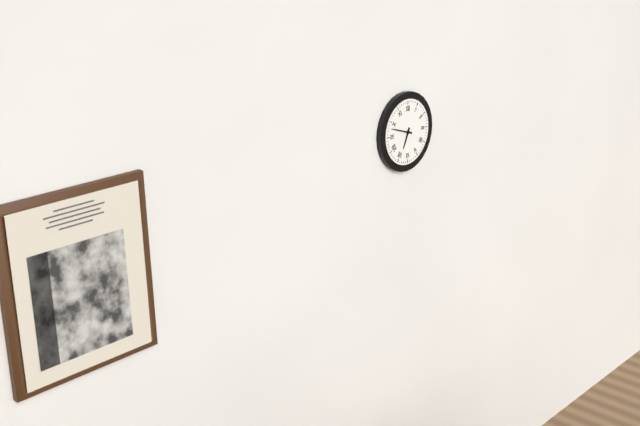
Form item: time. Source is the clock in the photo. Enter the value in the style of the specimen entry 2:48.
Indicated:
6:48
